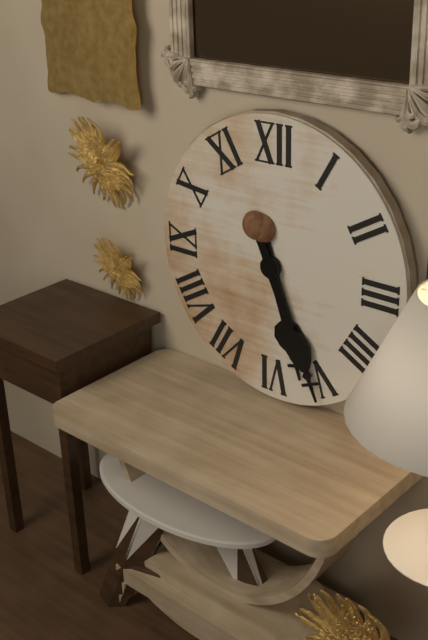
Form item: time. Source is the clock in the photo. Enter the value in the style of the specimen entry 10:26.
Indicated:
5:26
